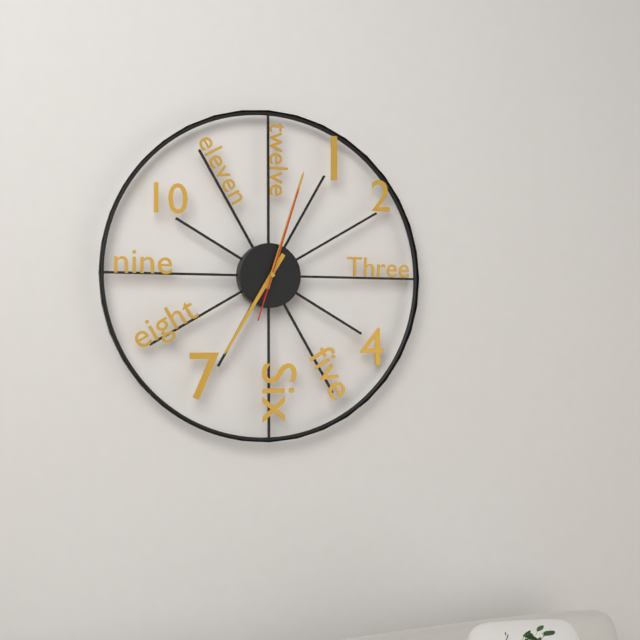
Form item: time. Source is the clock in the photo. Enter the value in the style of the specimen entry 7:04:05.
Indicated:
7:03:03
